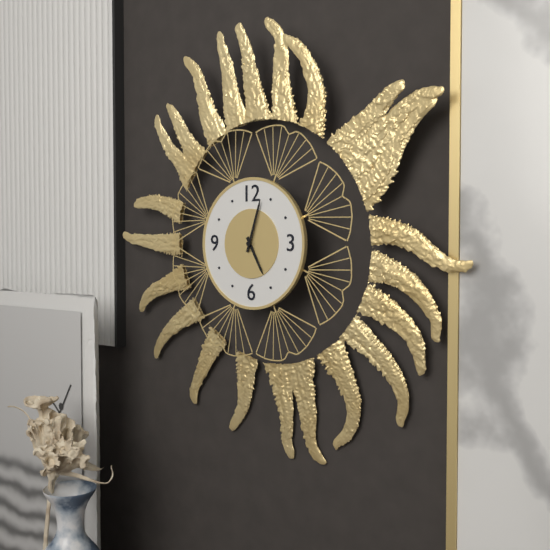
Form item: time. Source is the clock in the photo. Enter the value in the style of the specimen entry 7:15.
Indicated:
5:03
